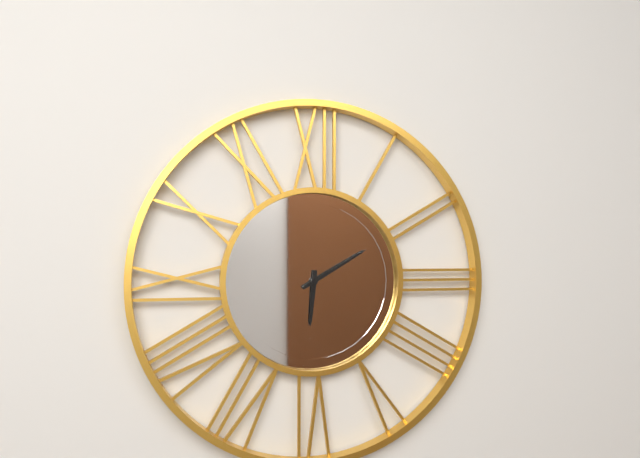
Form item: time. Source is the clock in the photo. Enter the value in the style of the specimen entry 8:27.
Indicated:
6:10
